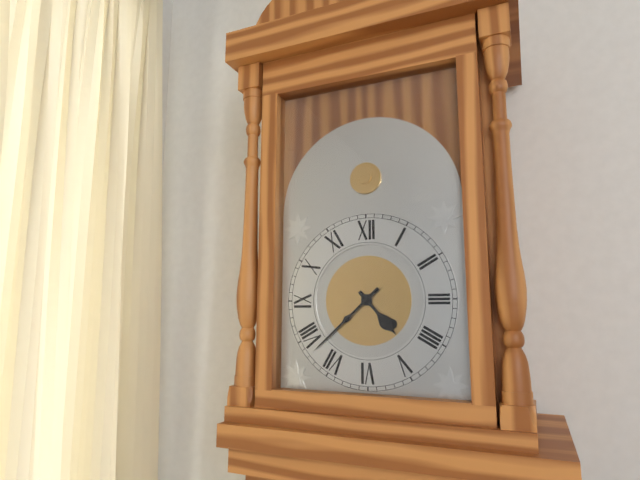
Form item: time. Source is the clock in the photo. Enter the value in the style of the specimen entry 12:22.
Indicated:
4:38
